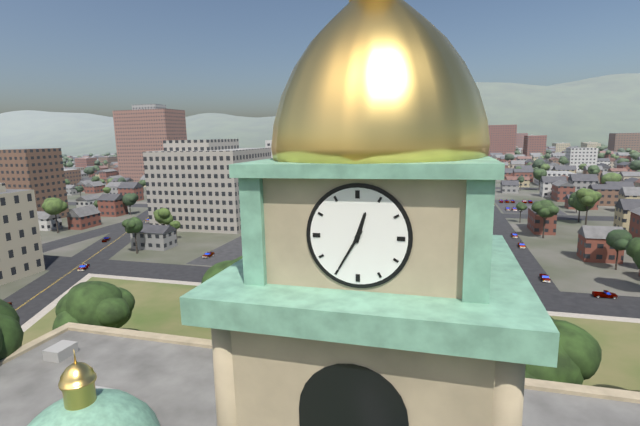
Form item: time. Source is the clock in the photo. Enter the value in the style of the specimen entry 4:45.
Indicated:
12:35
